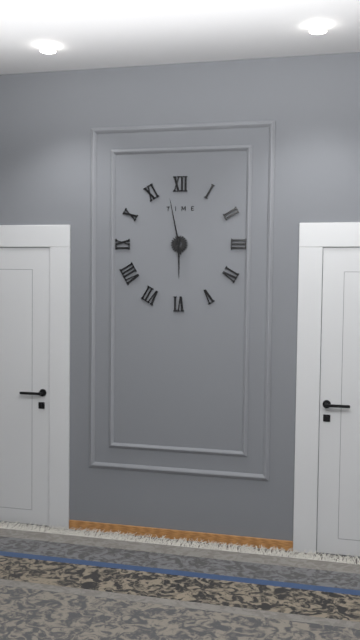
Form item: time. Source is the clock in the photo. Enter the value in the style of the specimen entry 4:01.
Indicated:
5:58
